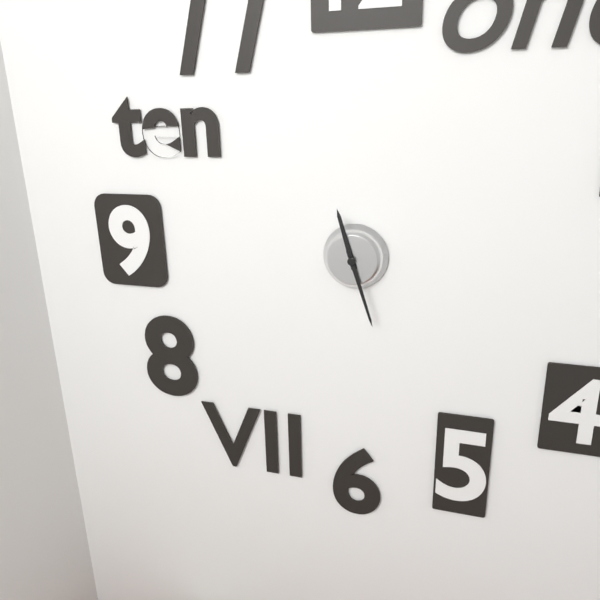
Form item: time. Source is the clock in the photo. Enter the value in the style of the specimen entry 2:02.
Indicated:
11:27
